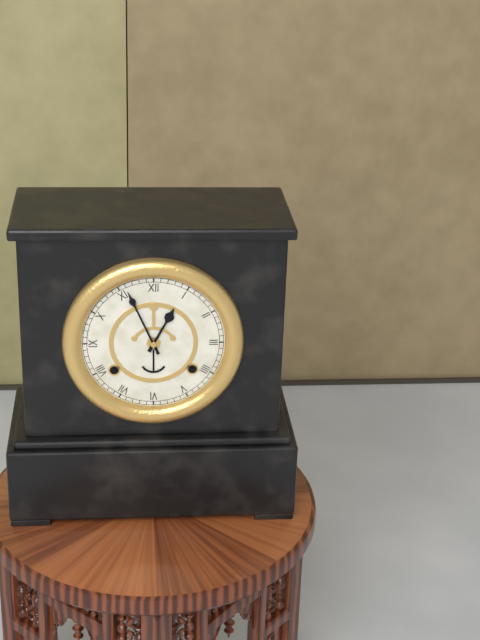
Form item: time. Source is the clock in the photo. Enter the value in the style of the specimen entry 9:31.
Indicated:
12:56
